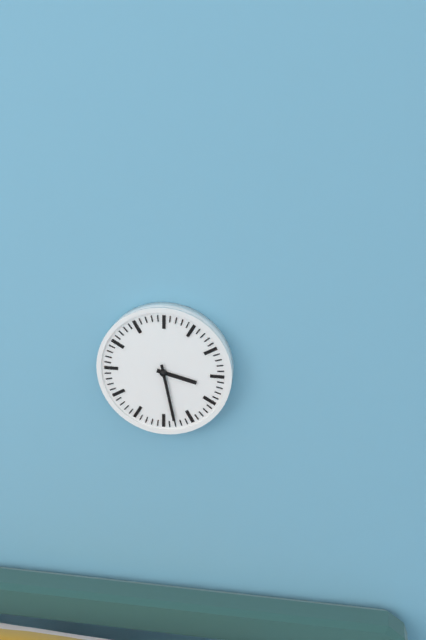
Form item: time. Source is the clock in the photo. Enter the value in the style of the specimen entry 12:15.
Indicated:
3:28
